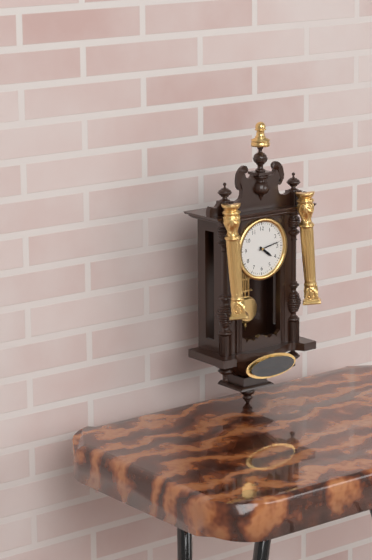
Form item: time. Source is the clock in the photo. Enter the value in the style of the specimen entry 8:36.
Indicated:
4:13
